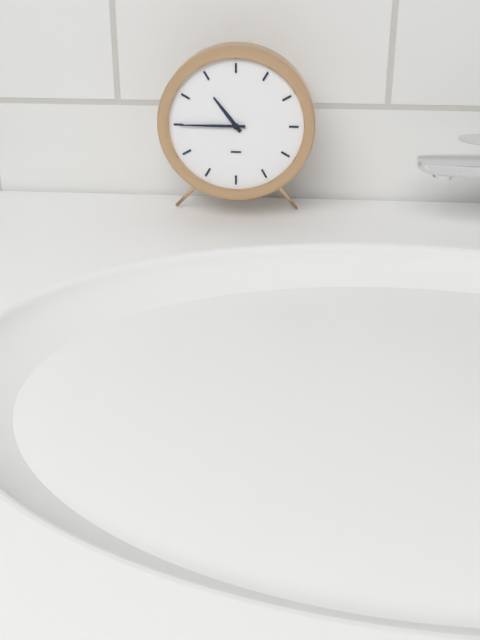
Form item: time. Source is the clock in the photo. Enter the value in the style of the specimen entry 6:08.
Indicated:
10:45
